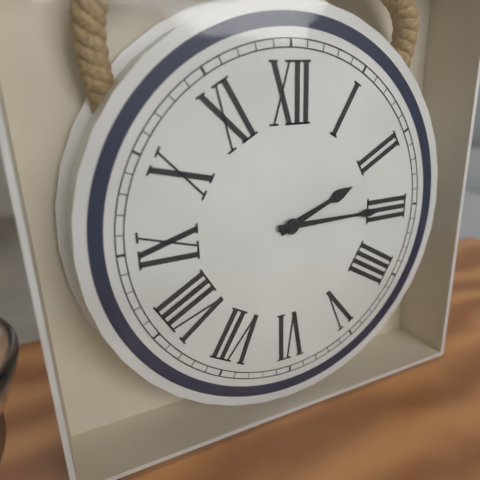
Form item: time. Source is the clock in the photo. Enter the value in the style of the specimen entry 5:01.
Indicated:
2:15
